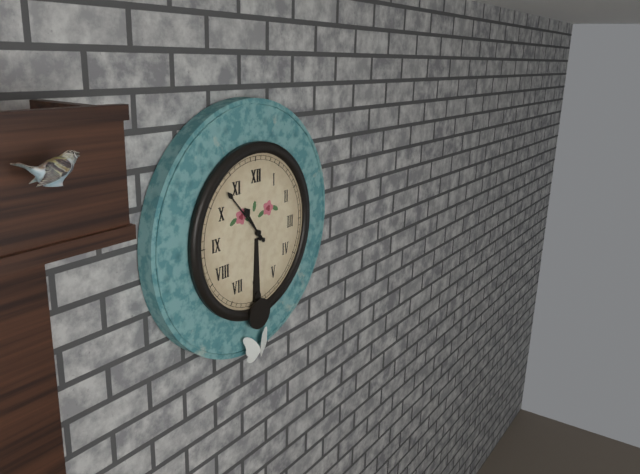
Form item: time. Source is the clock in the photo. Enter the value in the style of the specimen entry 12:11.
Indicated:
10:53
